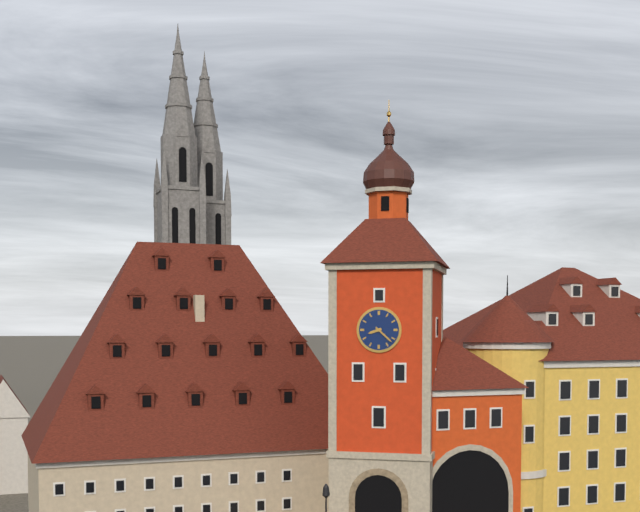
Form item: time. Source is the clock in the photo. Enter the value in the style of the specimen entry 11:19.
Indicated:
8:22
